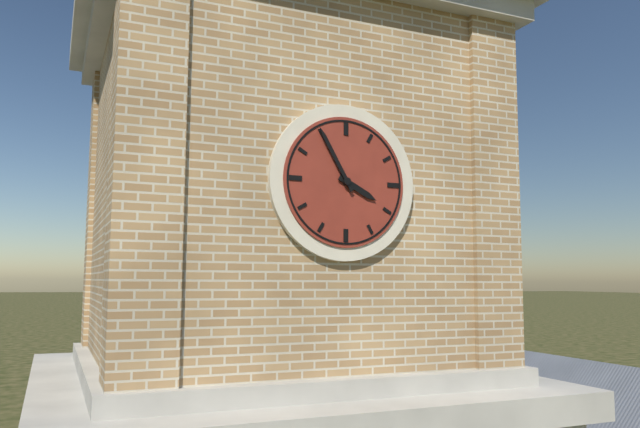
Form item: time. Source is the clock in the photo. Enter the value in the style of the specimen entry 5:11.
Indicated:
3:55
